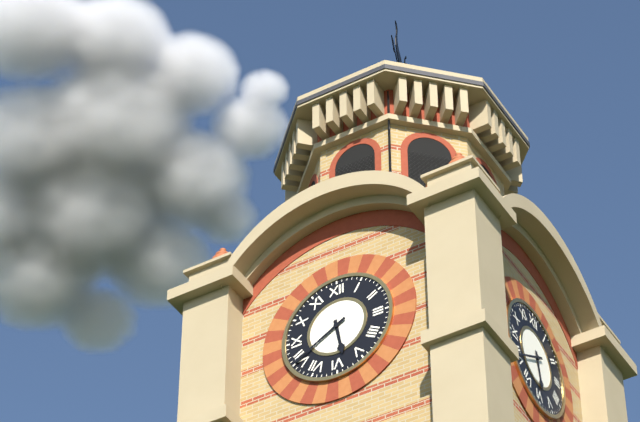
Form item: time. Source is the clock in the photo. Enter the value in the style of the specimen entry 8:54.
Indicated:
5:40
